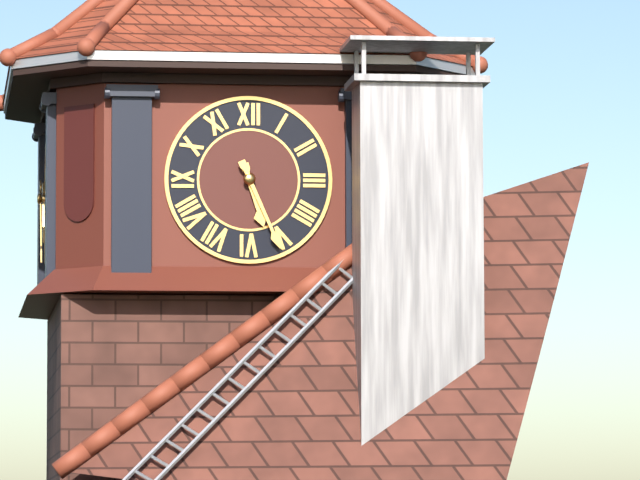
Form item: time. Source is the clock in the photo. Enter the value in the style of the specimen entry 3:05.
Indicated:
5:26
